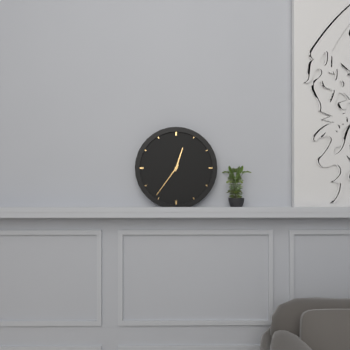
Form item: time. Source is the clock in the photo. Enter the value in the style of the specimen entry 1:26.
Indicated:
12:36
